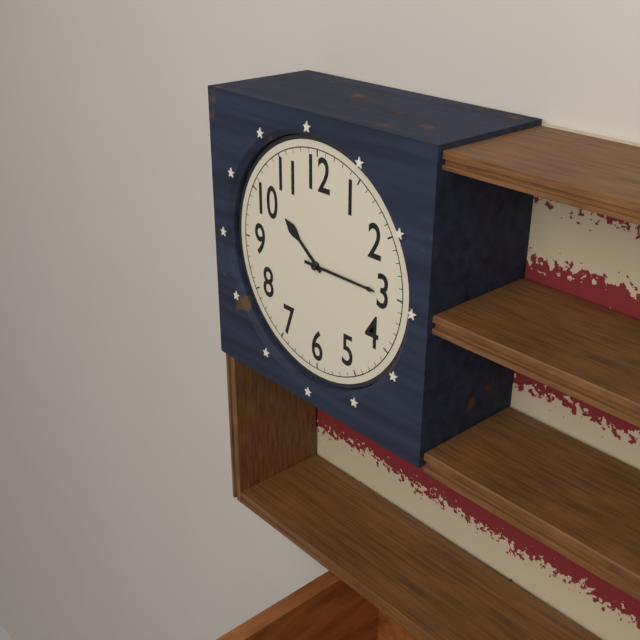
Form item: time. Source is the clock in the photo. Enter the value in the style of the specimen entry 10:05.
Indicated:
10:15
